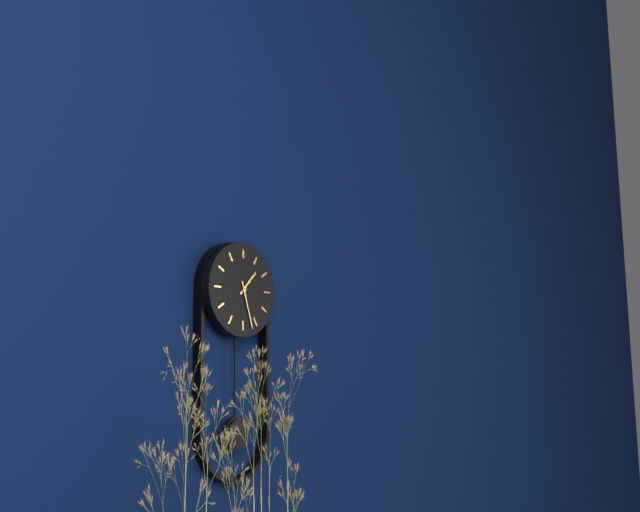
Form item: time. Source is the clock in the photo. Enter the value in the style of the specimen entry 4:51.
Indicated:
1:27
